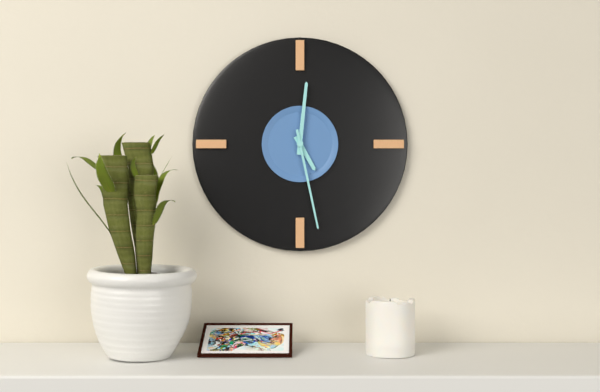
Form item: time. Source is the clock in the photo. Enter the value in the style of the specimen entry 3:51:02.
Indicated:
5:01:28
